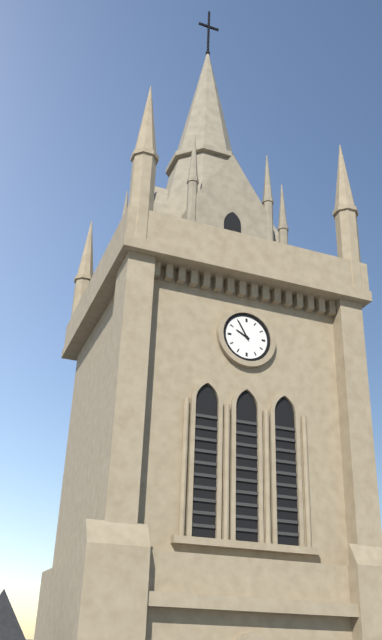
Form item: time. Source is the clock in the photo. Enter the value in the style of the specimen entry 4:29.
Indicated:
9:55
